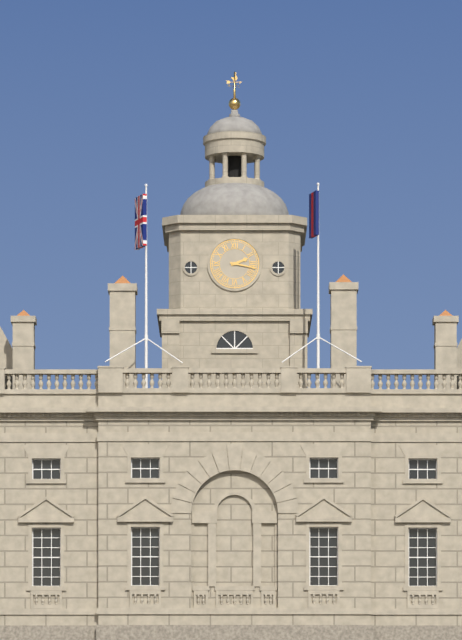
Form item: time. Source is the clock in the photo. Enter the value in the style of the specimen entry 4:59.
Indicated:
2:17
